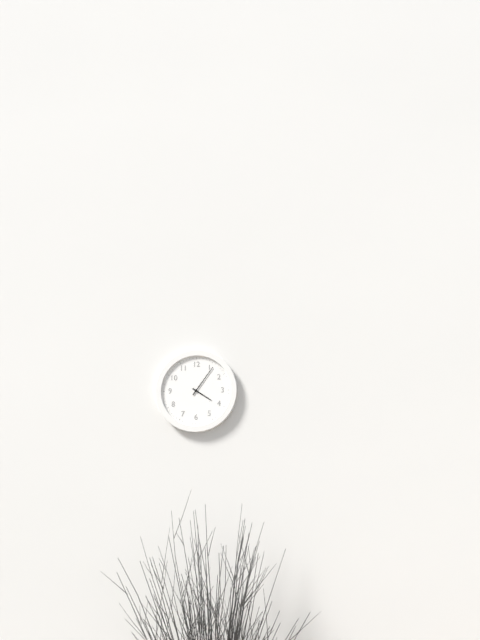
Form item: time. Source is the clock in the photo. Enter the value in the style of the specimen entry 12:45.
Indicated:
4:06
